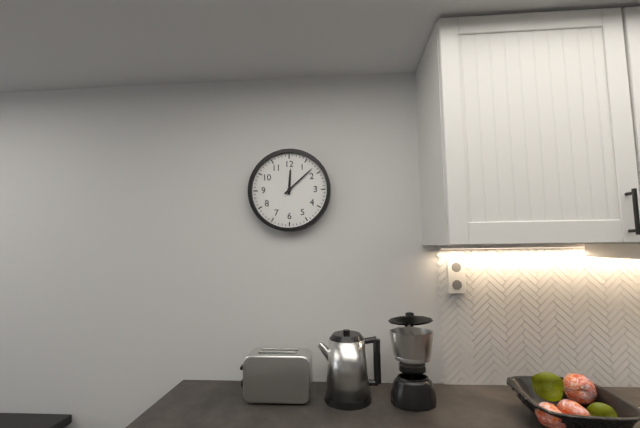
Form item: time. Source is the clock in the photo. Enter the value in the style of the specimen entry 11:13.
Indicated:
12:08
